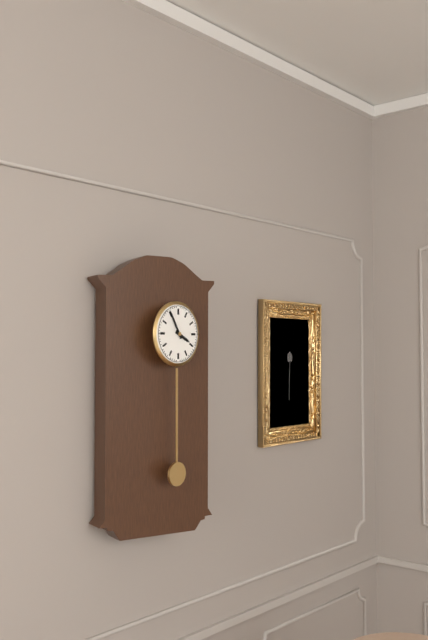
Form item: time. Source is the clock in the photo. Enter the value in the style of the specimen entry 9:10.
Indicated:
3:55
